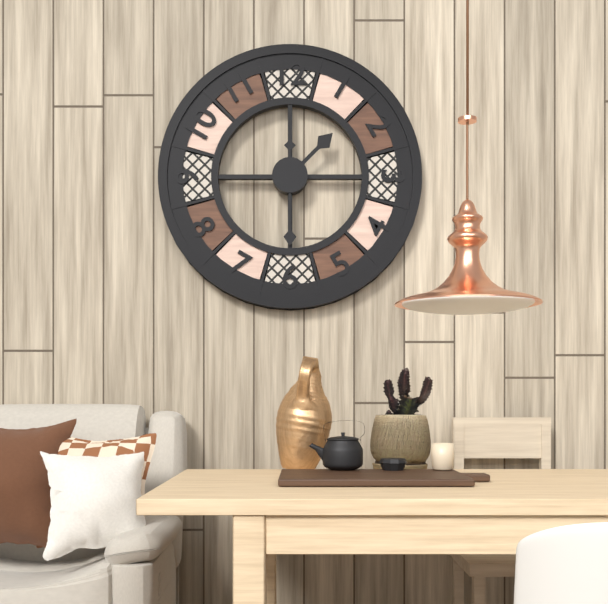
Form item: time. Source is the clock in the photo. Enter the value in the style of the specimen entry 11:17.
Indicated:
1:30
